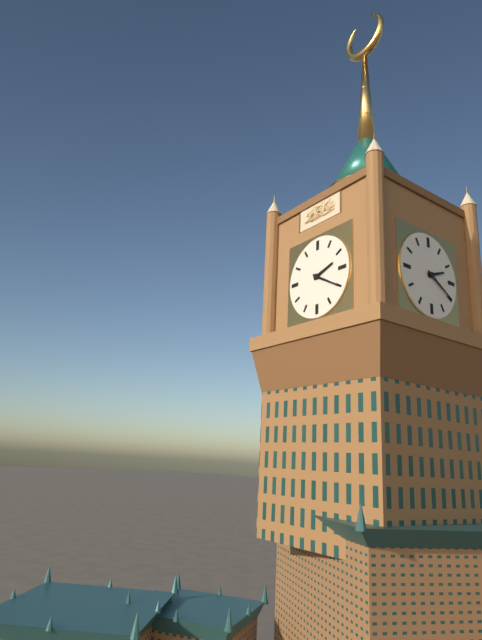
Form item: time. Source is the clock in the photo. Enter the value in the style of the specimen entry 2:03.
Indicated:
2:20
